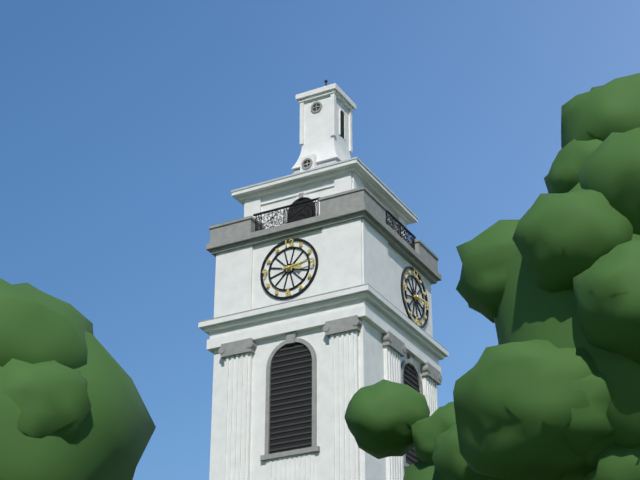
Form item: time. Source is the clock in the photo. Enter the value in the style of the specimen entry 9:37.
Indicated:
3:14
